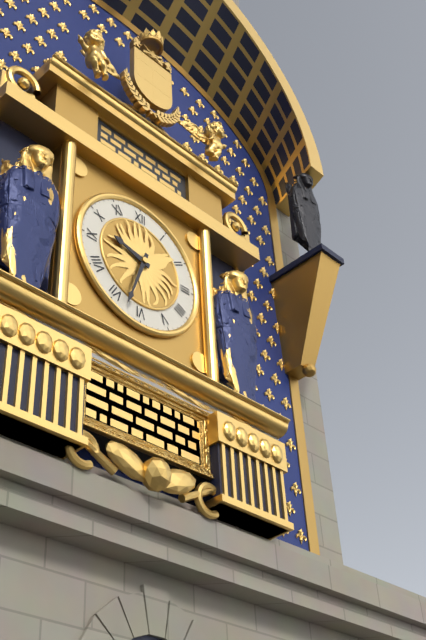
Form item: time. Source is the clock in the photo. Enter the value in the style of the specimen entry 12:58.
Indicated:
9:33
